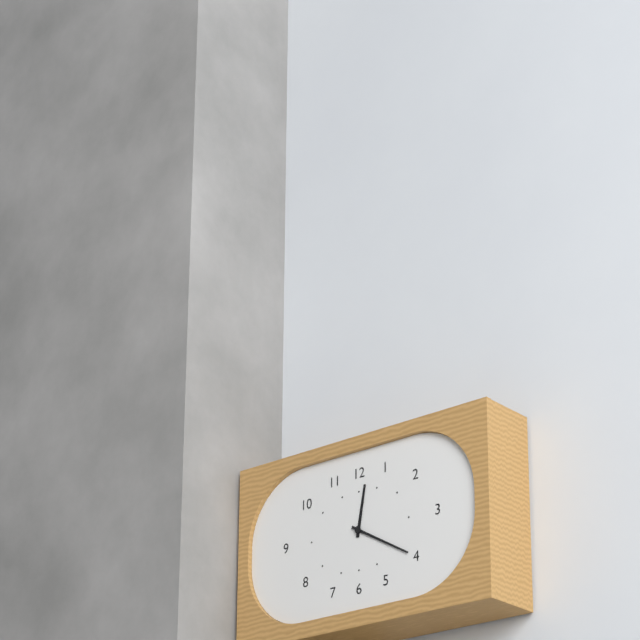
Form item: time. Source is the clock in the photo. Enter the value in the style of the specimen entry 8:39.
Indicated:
12:20
